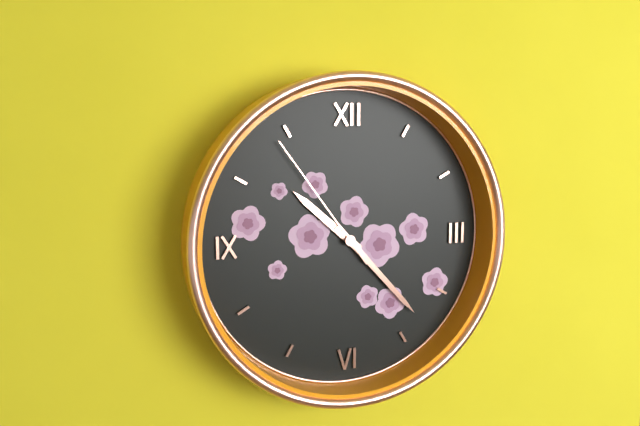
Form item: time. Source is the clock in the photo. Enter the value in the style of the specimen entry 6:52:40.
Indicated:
10:23:54
